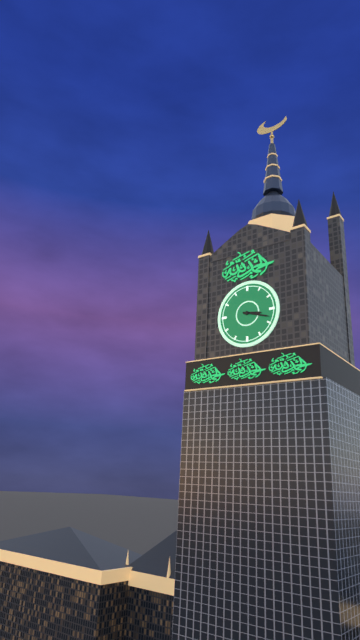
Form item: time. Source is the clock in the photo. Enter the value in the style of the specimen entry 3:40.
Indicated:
3:18
